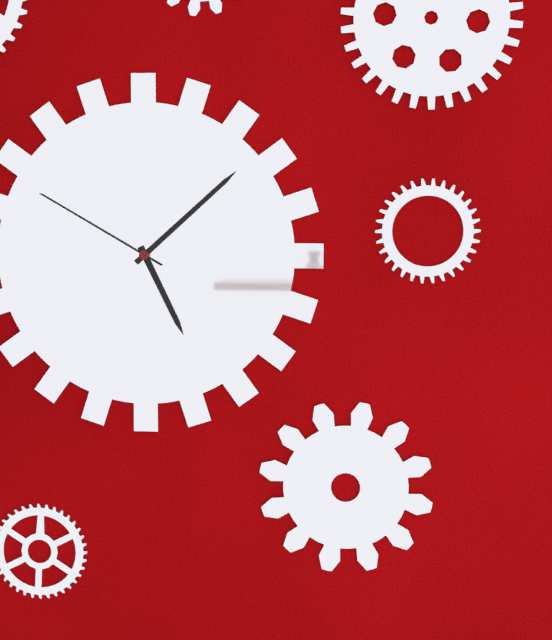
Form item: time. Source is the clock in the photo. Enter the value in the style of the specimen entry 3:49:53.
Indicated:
5:08:50
